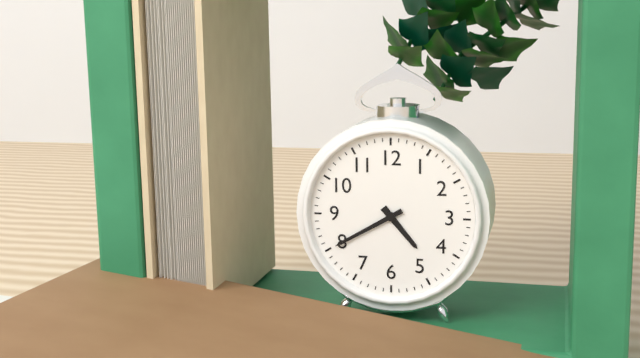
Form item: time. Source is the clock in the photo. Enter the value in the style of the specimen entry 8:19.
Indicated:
4:40
